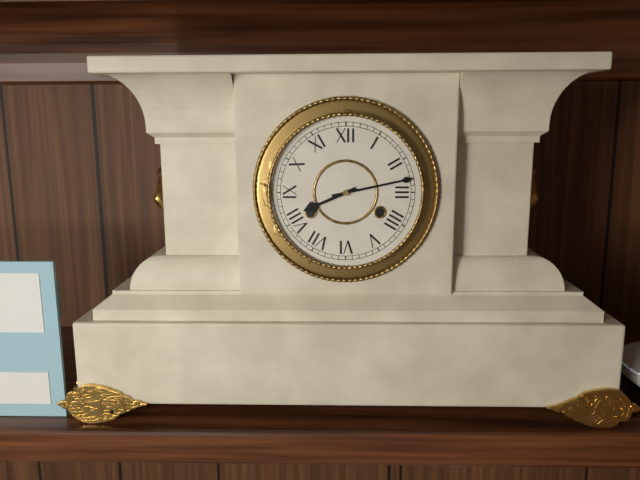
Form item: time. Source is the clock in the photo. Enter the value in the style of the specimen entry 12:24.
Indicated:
8:13
